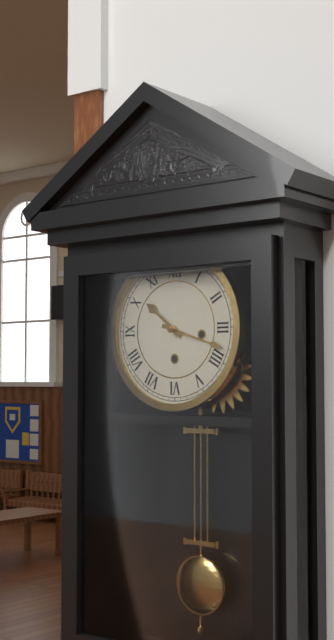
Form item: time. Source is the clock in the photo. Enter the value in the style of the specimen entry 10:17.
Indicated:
10:18
